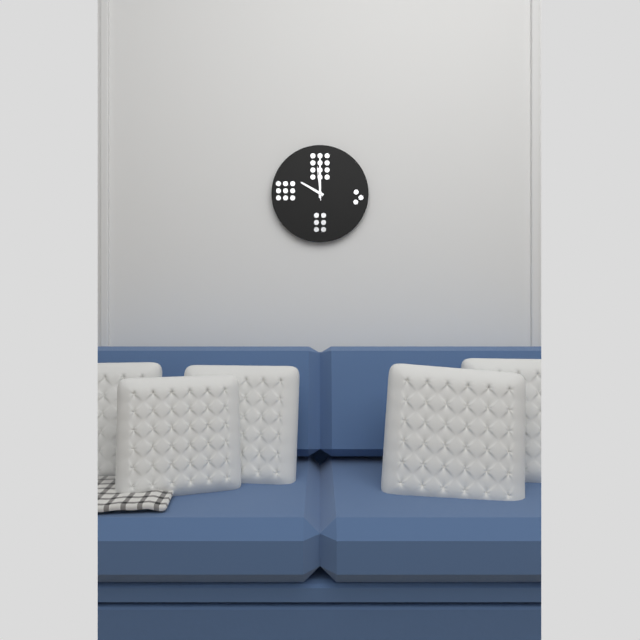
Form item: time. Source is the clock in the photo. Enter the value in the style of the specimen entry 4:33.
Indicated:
10:00
